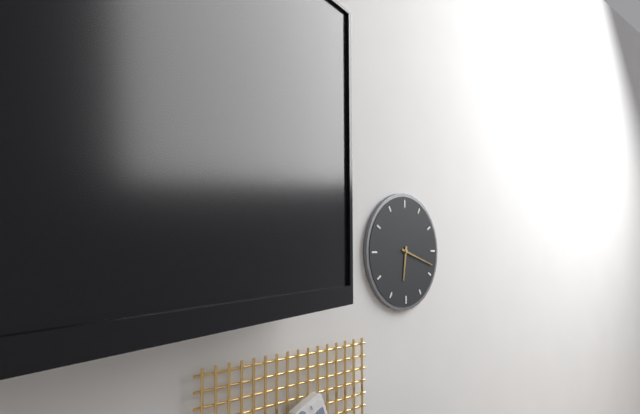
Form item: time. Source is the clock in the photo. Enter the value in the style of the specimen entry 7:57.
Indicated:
6:18
